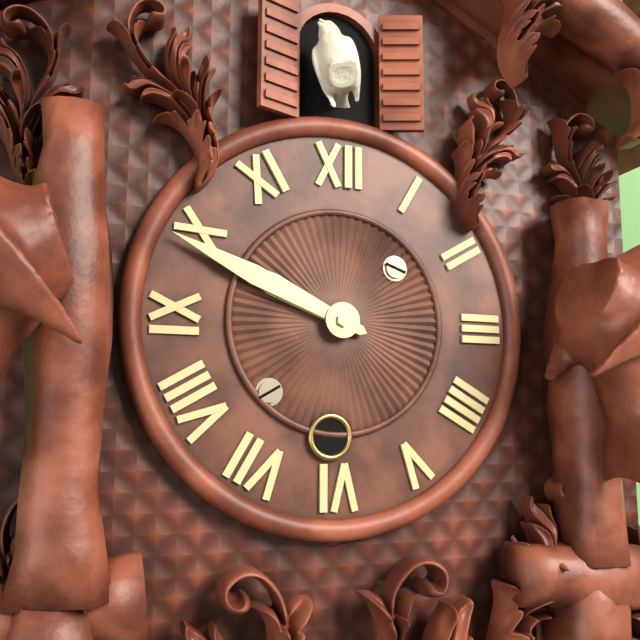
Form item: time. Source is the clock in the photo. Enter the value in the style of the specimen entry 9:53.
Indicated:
9:49
